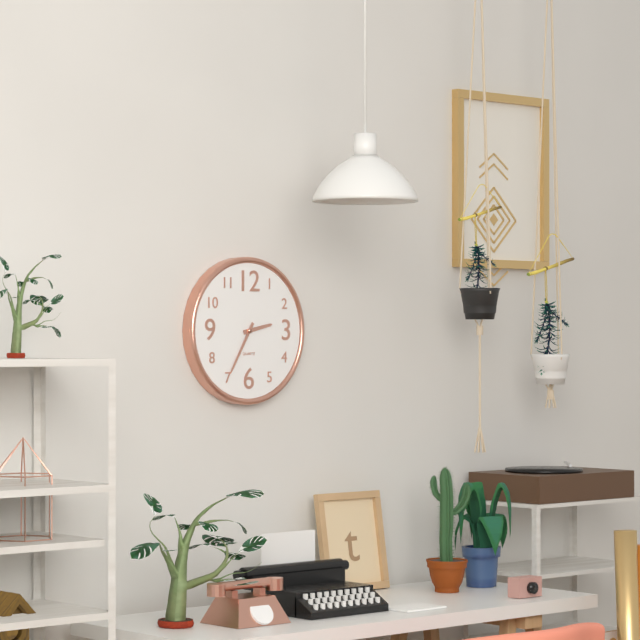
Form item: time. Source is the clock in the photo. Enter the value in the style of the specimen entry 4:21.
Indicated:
2:35
